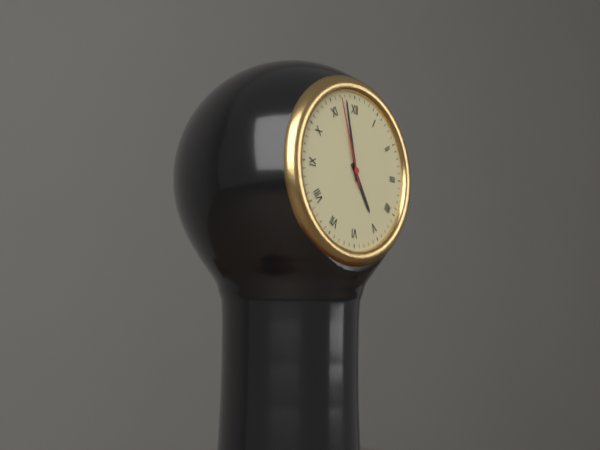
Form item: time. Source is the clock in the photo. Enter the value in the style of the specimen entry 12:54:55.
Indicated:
4:58:57
